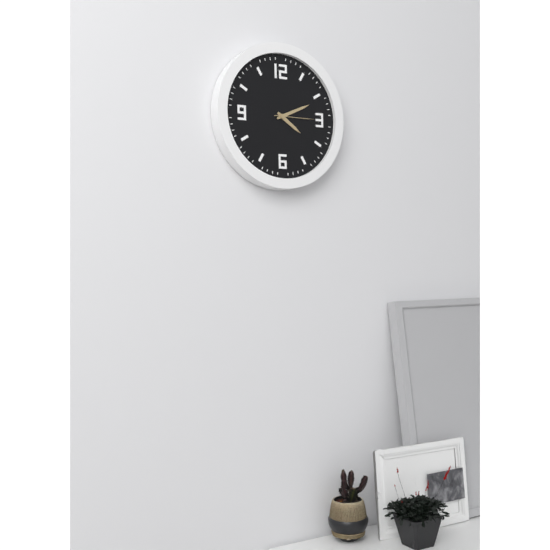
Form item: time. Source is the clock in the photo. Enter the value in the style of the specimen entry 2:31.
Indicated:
4:11
